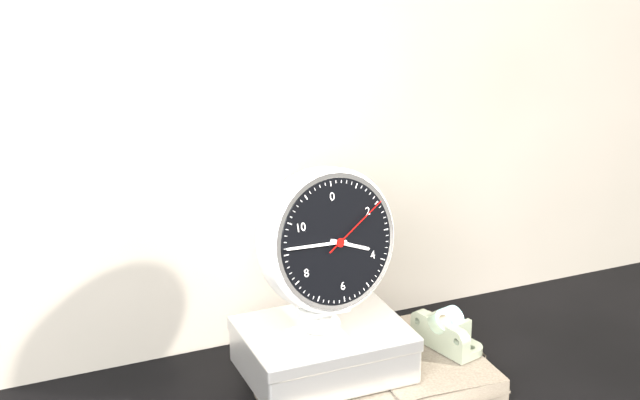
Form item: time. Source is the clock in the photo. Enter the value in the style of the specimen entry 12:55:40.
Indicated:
3:46:10
